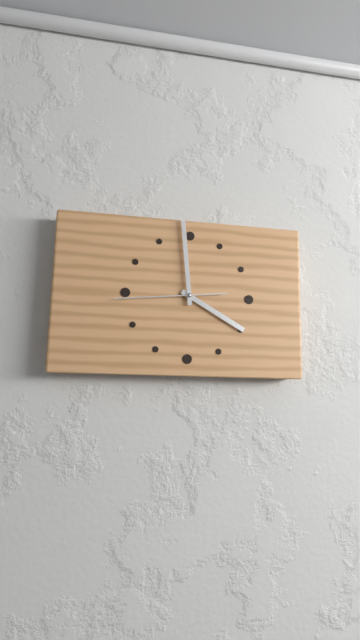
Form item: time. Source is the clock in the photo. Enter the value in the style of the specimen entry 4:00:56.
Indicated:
3:59:44
